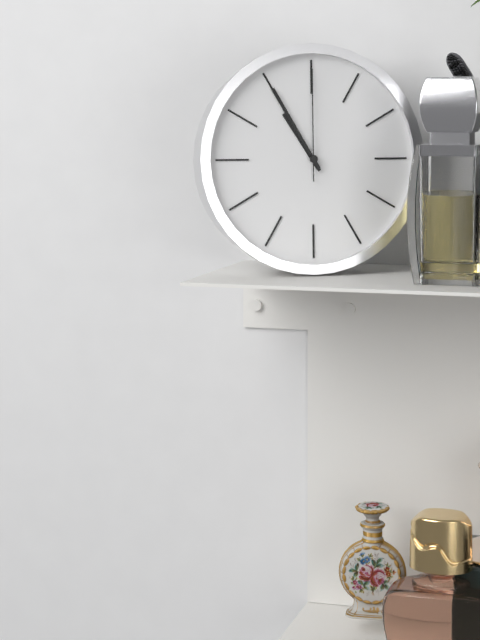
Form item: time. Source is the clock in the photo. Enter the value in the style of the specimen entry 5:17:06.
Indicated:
10:55:00
